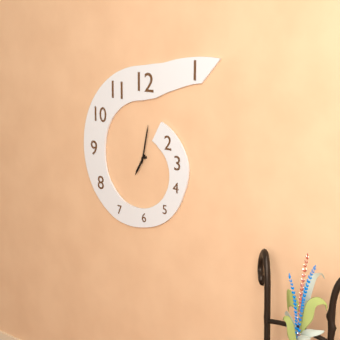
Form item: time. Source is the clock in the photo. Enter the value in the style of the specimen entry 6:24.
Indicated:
7:02
